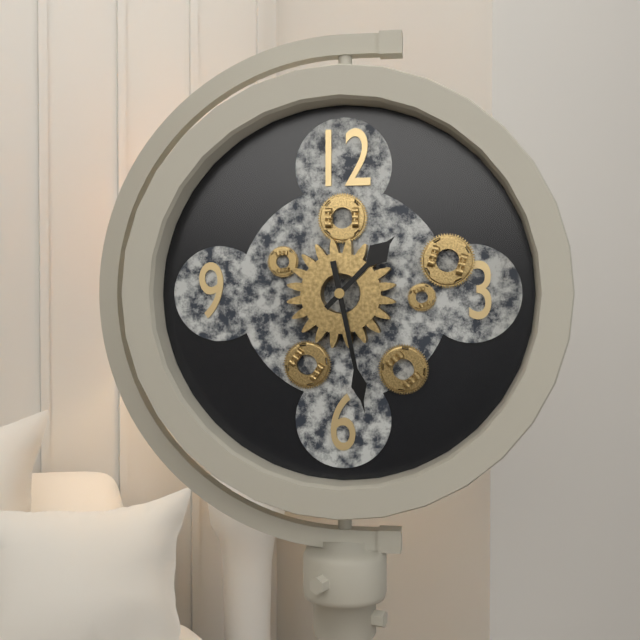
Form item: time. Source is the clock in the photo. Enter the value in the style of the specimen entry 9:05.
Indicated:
1:28
